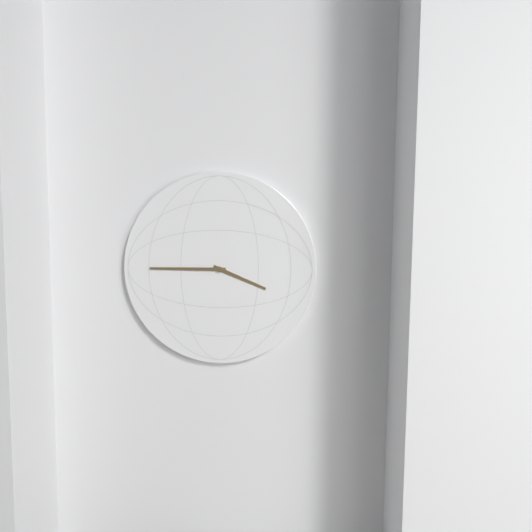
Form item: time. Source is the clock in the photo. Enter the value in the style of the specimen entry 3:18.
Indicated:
3:45
